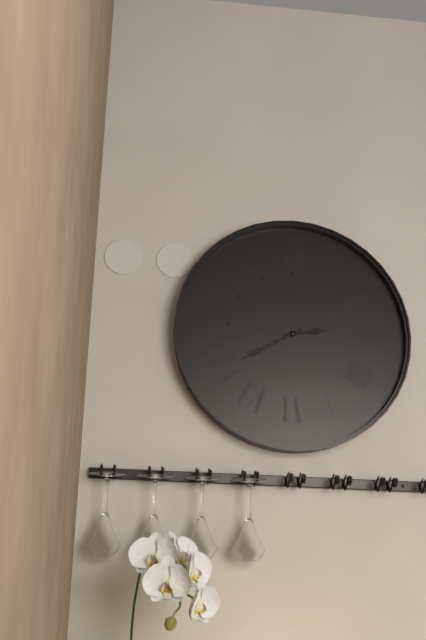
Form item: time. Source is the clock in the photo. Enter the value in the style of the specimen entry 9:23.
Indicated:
2:40
